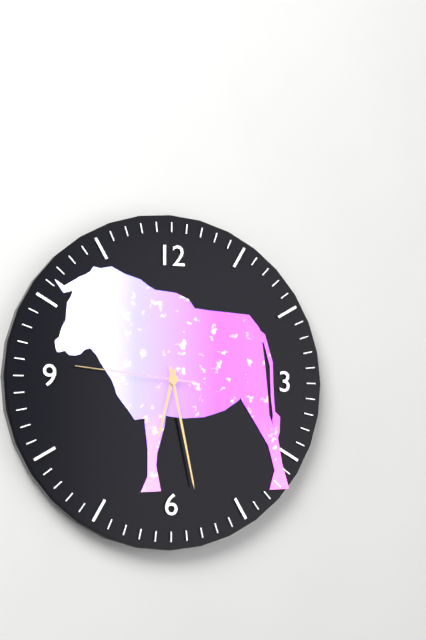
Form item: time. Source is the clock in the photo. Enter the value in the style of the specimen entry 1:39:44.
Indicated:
6:28:46
